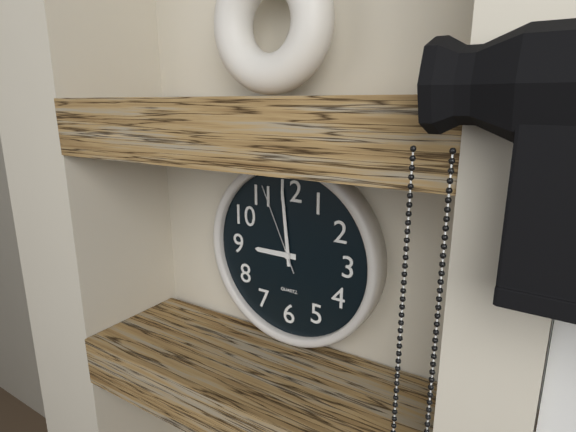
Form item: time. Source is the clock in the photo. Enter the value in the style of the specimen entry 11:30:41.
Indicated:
8:59:56
